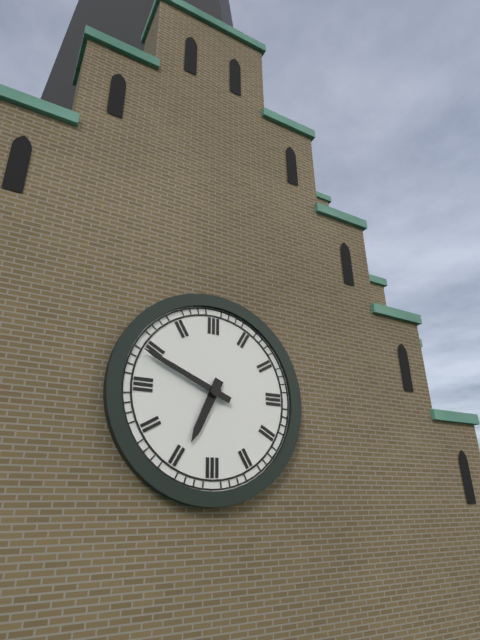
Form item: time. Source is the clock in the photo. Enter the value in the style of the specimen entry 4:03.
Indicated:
6:49
